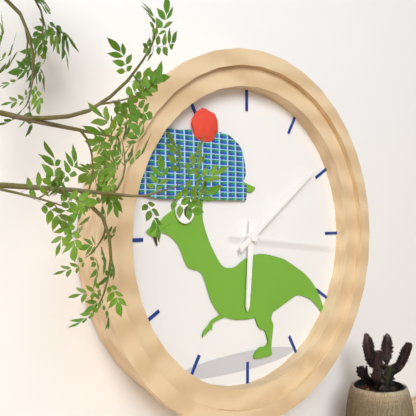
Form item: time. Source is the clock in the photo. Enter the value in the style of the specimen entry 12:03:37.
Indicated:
6:09:16
